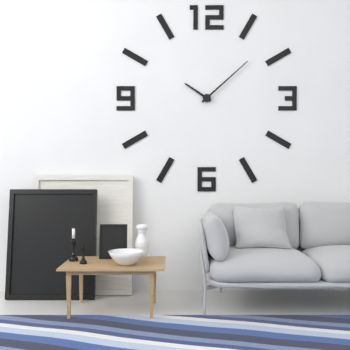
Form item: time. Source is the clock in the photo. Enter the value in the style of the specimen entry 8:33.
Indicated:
10:08
